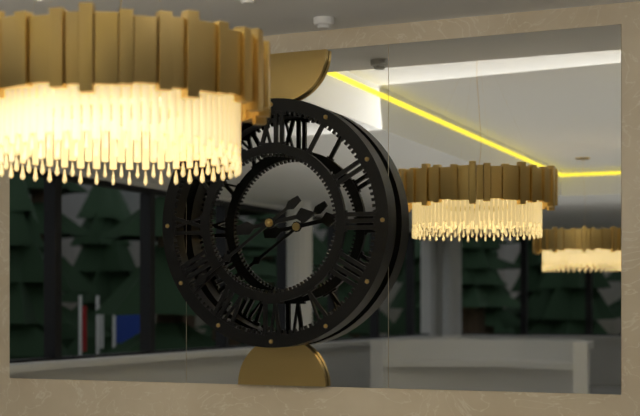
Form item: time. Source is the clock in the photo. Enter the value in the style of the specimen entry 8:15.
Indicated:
2:39
